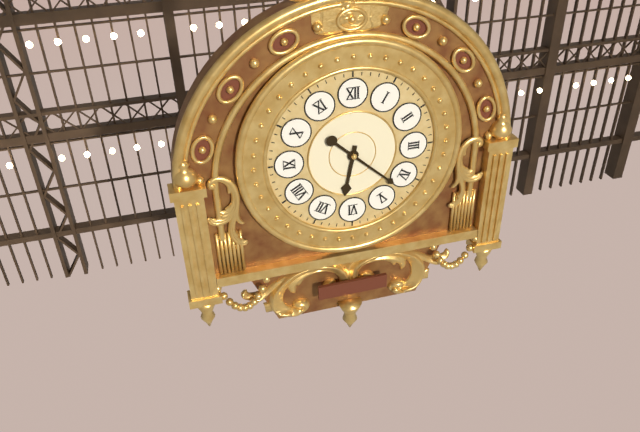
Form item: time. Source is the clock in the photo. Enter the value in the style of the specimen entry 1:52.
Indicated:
6:22
